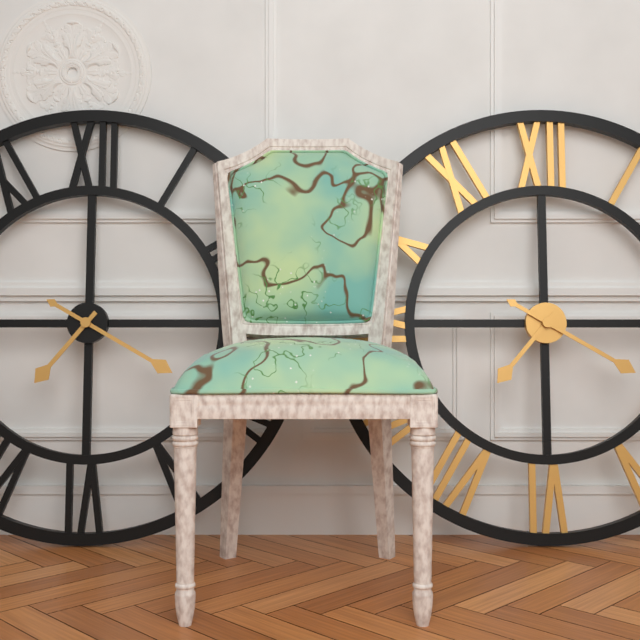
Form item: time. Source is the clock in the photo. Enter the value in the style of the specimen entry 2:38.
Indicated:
7:20
